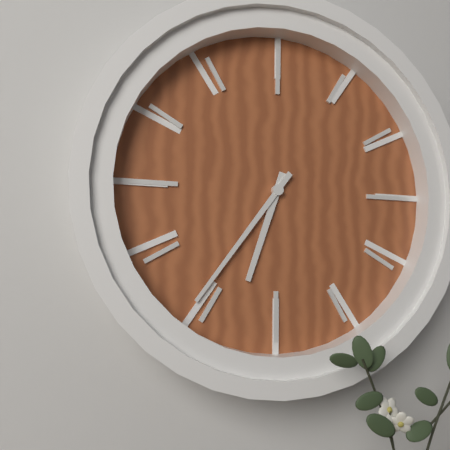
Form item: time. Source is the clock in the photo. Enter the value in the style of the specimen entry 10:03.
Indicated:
6:36
